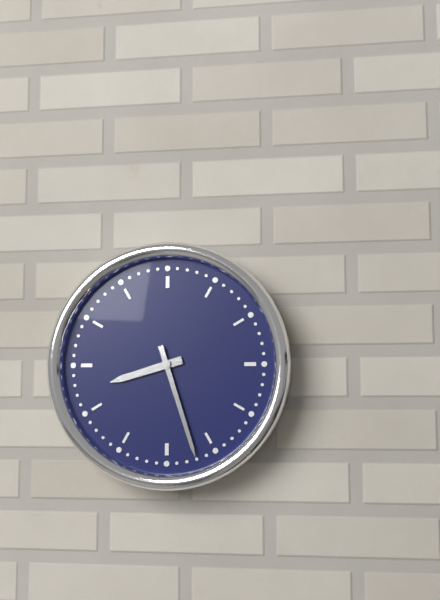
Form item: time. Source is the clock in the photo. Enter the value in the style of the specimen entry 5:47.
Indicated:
8:27
